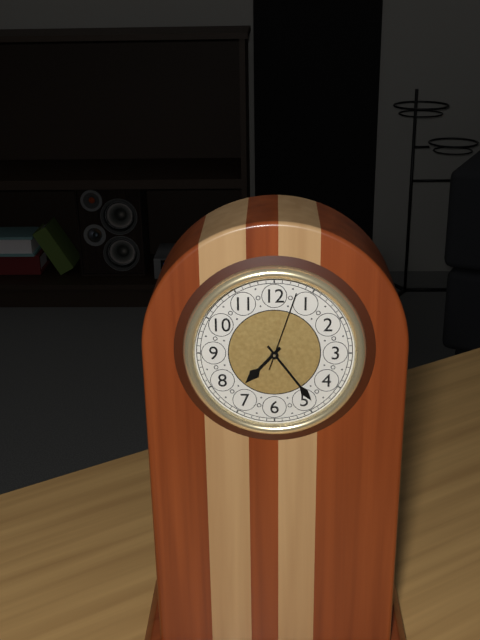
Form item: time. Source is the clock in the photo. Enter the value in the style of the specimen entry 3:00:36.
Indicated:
7:24:03
